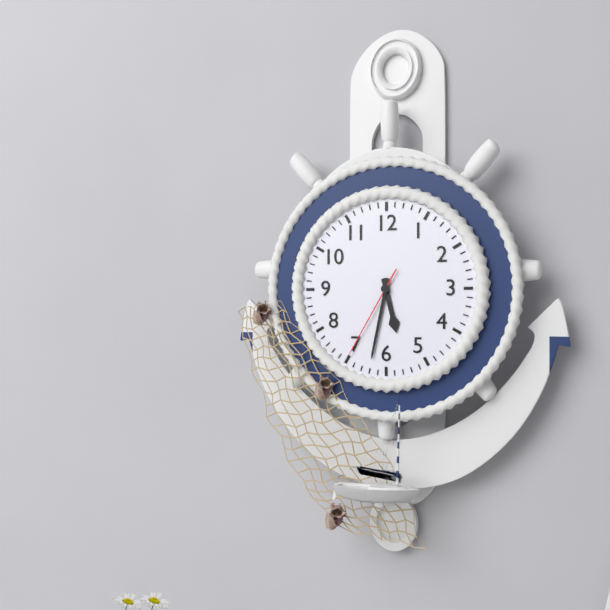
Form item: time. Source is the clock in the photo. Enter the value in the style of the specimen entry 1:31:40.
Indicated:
5:32:35
